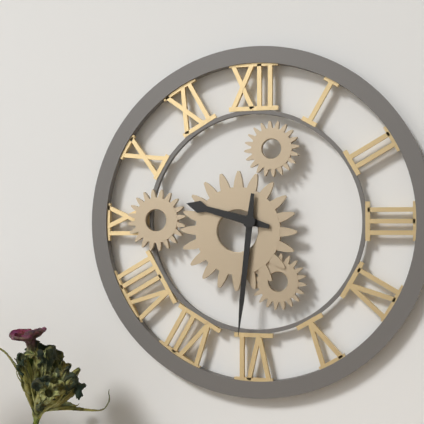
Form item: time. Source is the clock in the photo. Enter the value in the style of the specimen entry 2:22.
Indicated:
9:31
